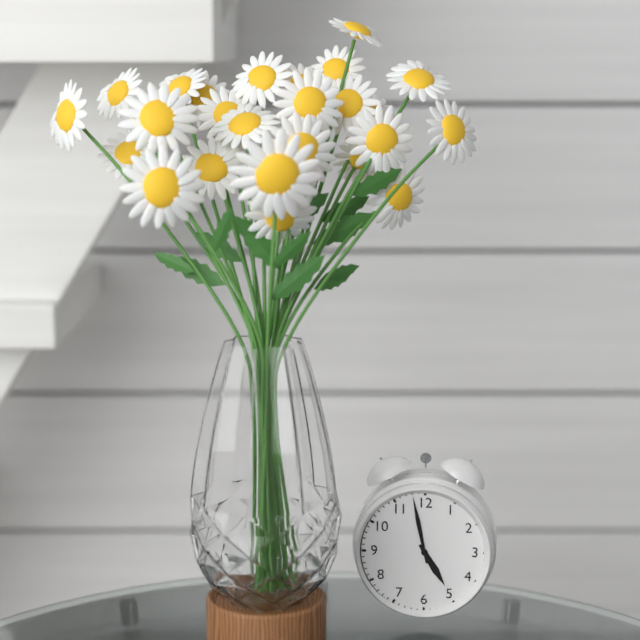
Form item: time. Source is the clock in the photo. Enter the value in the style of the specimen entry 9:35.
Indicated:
4:58
